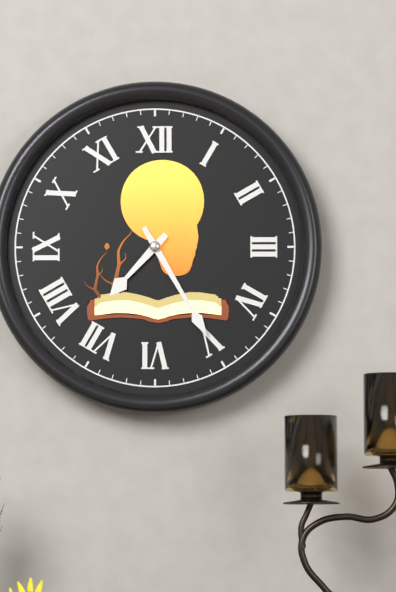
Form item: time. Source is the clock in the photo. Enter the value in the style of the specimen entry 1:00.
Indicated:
7:25
